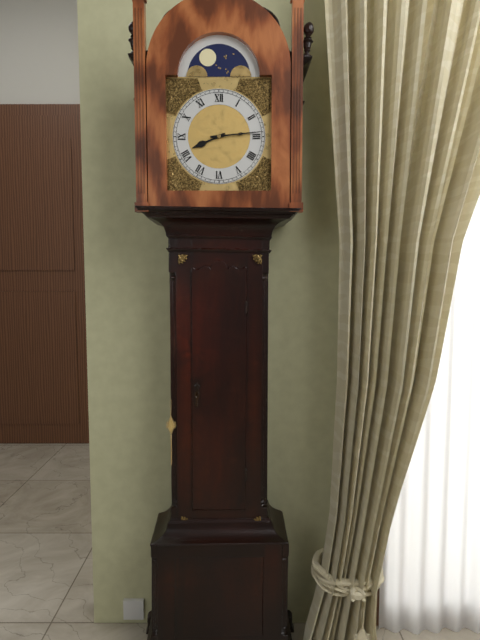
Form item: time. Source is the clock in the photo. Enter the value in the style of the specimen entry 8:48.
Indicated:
8:14
